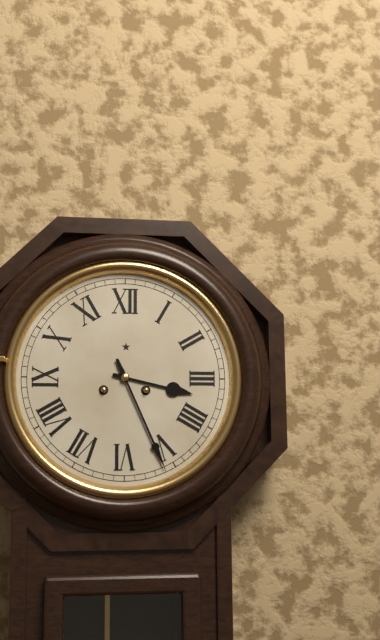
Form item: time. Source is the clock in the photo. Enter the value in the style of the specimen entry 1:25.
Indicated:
3:26
